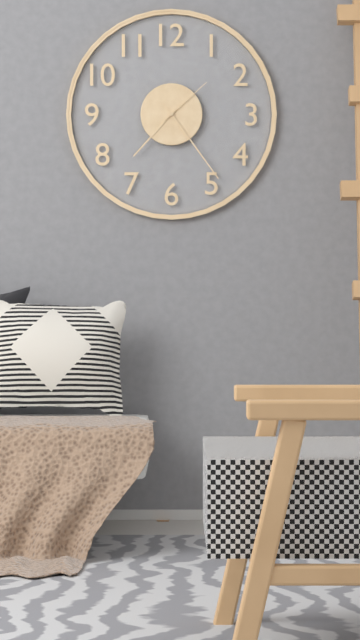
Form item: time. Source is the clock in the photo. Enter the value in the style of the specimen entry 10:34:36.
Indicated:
7:24:08
